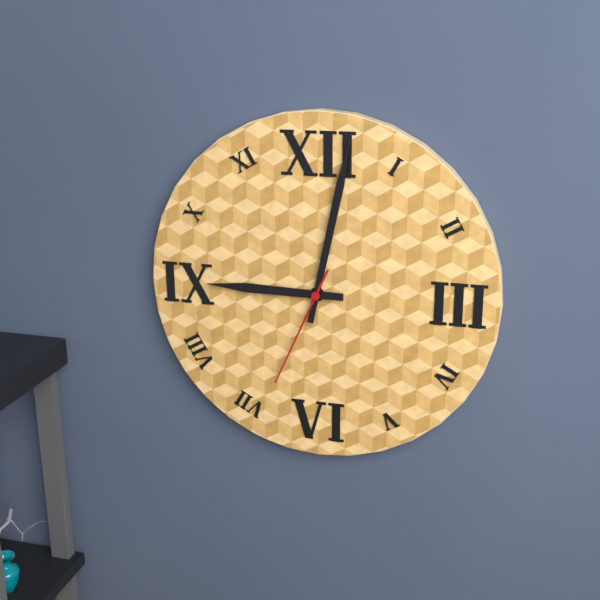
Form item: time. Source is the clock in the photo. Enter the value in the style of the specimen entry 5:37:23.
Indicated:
9:02:34
